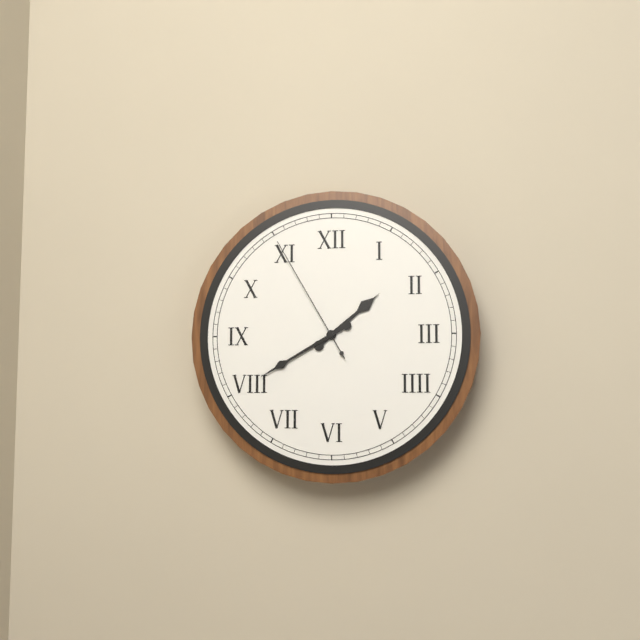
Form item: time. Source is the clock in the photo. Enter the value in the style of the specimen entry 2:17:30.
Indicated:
1:40:55
